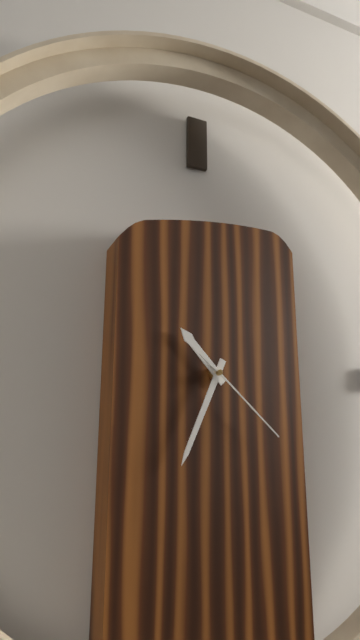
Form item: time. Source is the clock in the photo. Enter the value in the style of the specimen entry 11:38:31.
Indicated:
10:34:22
